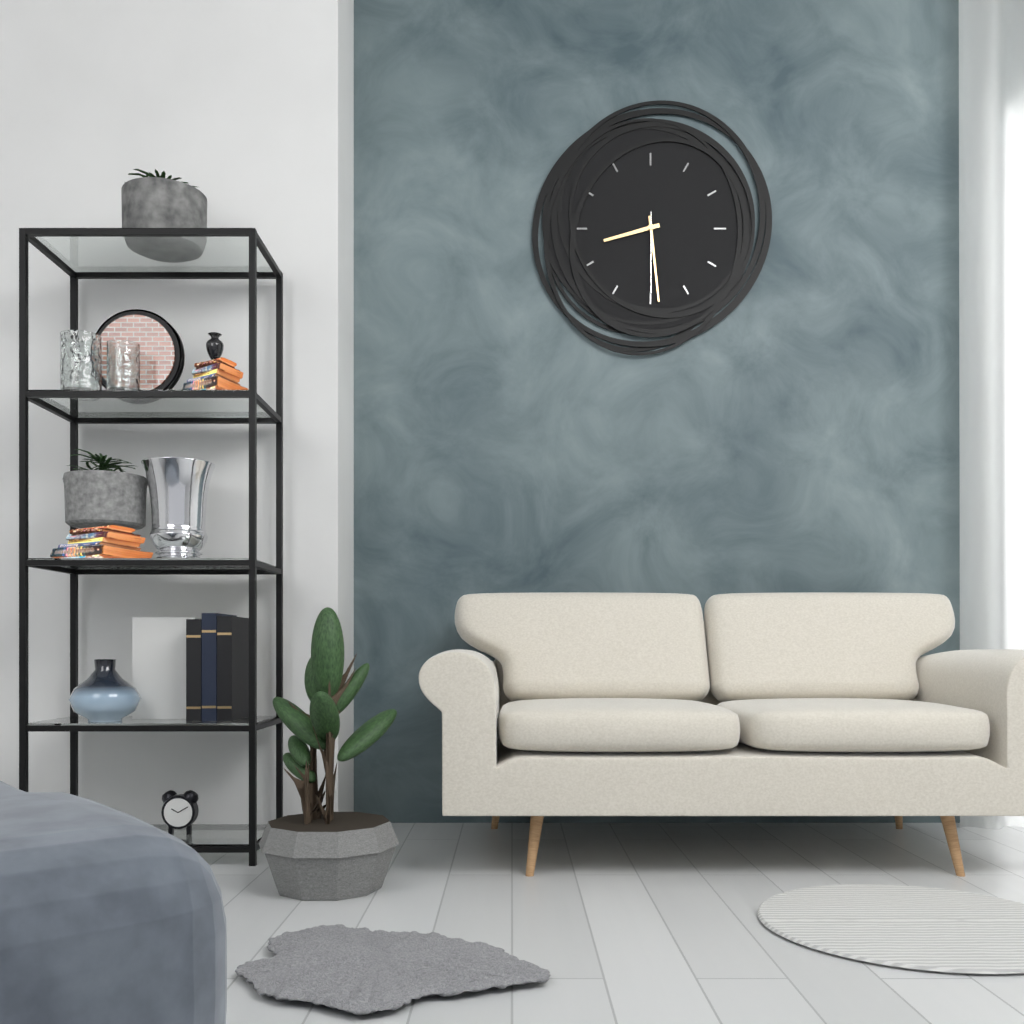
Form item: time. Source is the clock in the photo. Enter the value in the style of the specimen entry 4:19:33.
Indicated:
8:29:30
